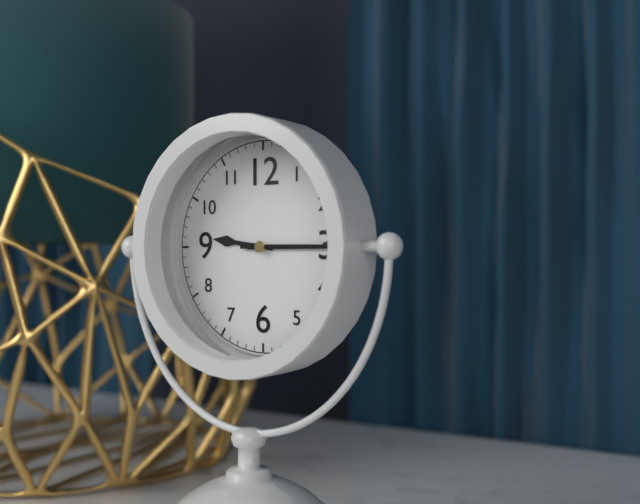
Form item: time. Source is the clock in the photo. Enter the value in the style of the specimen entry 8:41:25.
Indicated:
9:15:15
